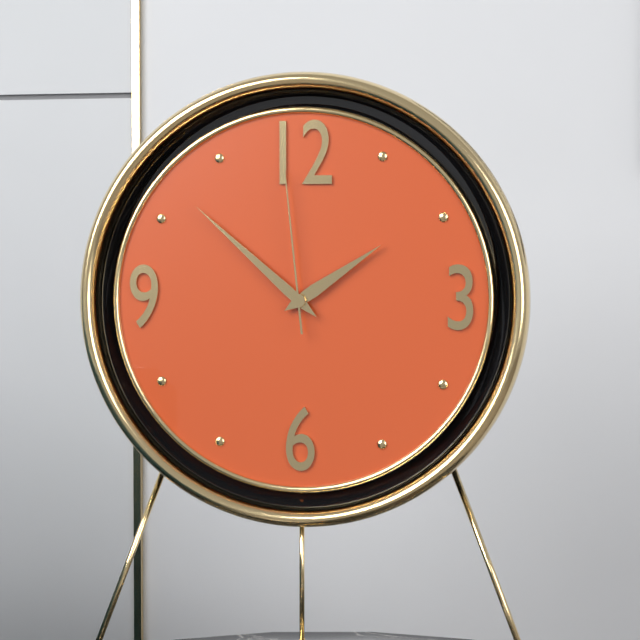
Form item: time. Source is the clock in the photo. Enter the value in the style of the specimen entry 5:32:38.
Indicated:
1:52:59
